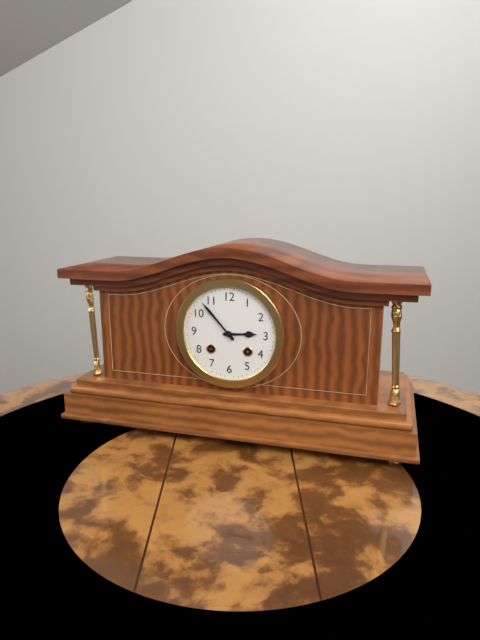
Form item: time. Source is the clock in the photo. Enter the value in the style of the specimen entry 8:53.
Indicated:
2:53
